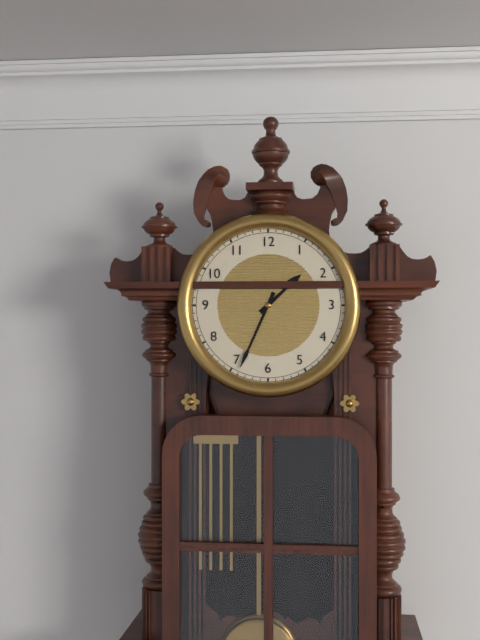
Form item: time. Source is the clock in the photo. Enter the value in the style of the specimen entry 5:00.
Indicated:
1:34
